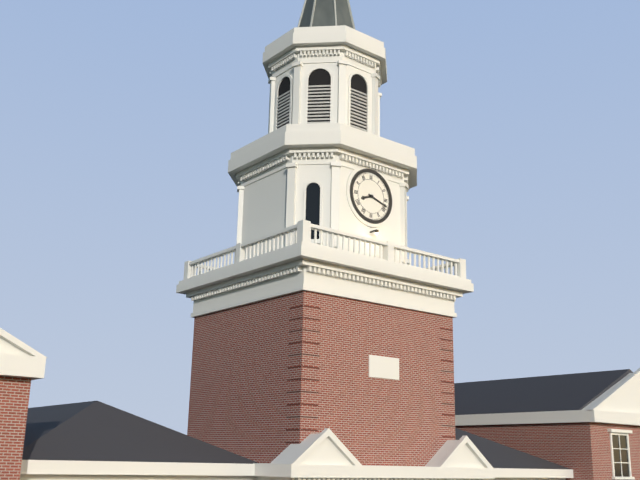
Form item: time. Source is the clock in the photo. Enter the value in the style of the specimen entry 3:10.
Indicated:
8:18
